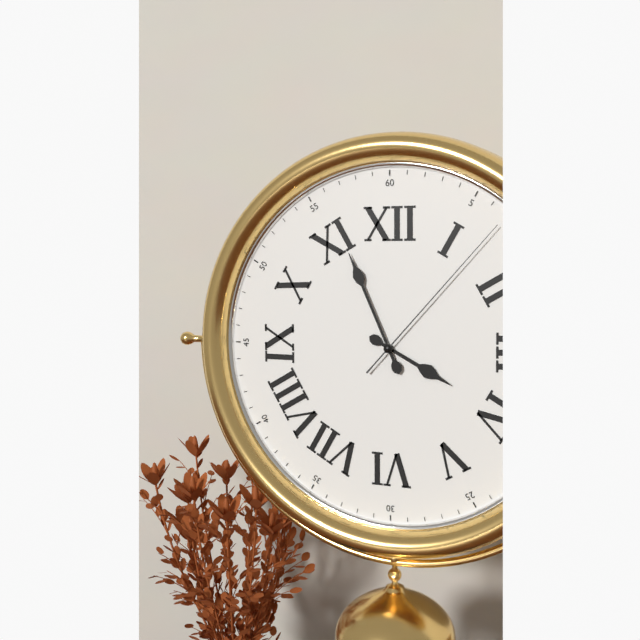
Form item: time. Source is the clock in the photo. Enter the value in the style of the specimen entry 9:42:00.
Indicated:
3:56:07
